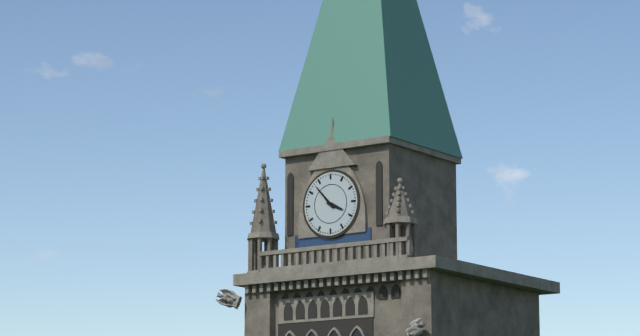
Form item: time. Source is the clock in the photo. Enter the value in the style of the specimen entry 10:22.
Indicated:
3:53
